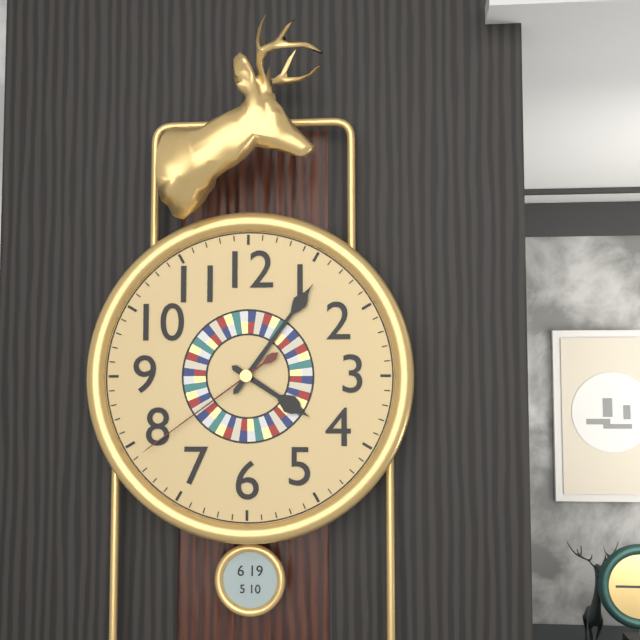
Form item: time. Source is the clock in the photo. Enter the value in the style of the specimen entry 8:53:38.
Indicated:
4:06:39
